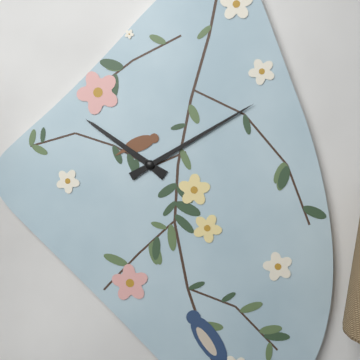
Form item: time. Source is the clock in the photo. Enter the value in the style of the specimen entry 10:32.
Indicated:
10:10
